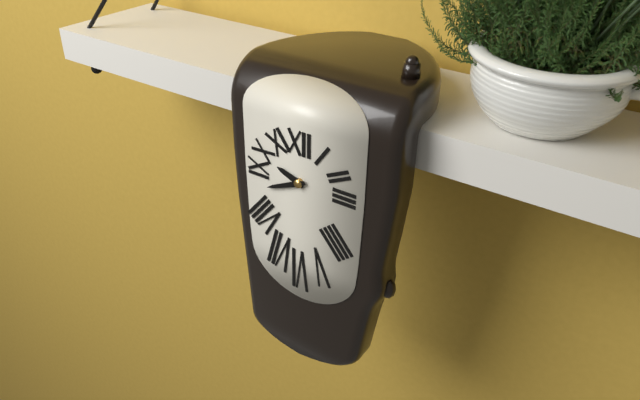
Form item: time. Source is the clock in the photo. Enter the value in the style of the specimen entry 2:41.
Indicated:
9:41
